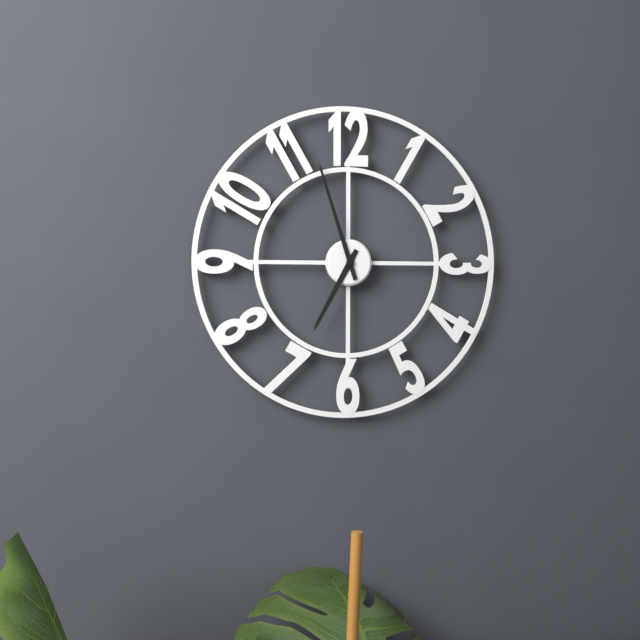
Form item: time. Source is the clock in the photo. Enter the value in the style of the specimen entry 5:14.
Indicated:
6:57
